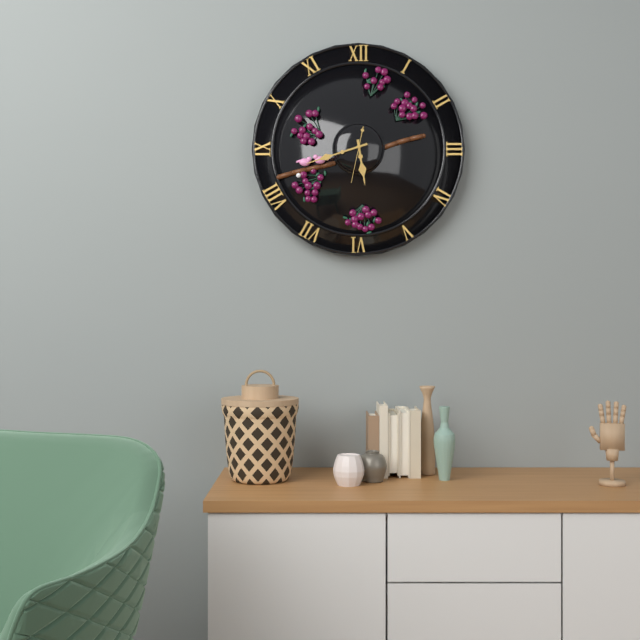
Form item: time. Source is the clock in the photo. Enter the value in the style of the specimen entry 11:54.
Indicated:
5:42
